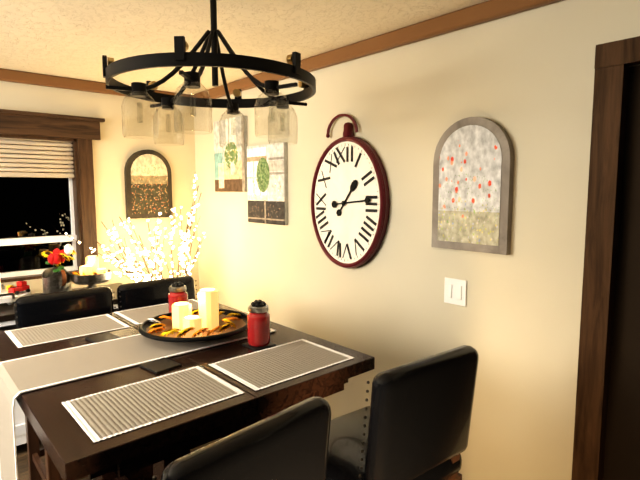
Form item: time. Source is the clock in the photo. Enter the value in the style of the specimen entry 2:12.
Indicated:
1:14
